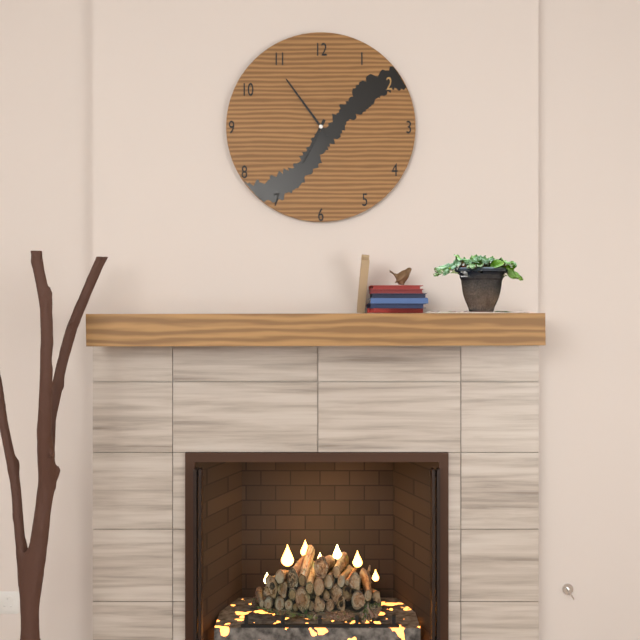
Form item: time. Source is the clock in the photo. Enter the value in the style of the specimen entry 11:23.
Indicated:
6:54
